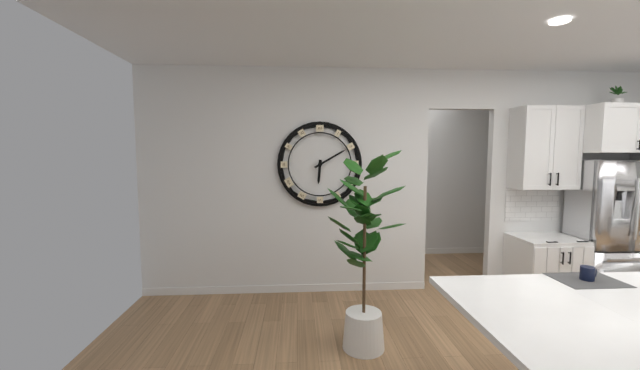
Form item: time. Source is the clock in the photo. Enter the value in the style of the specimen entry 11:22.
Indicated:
6:10
